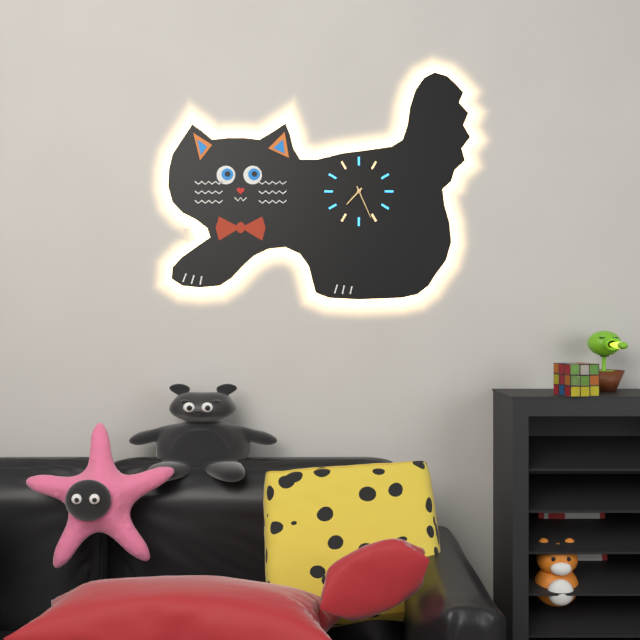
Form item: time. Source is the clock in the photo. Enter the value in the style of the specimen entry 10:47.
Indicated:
7:26
